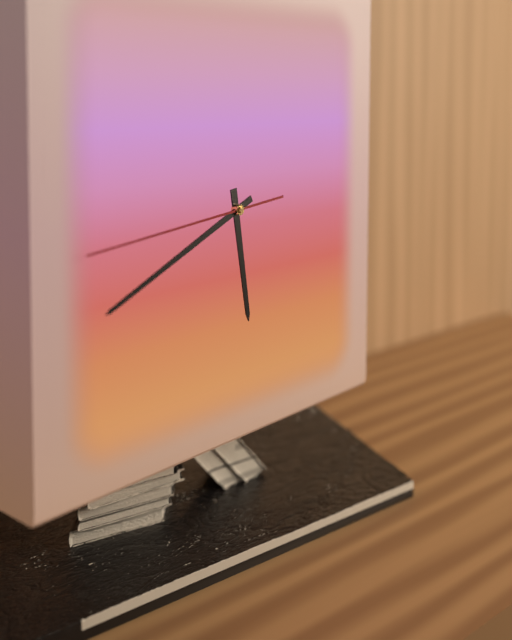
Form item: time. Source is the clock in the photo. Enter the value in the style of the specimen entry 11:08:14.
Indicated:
5:41:44
